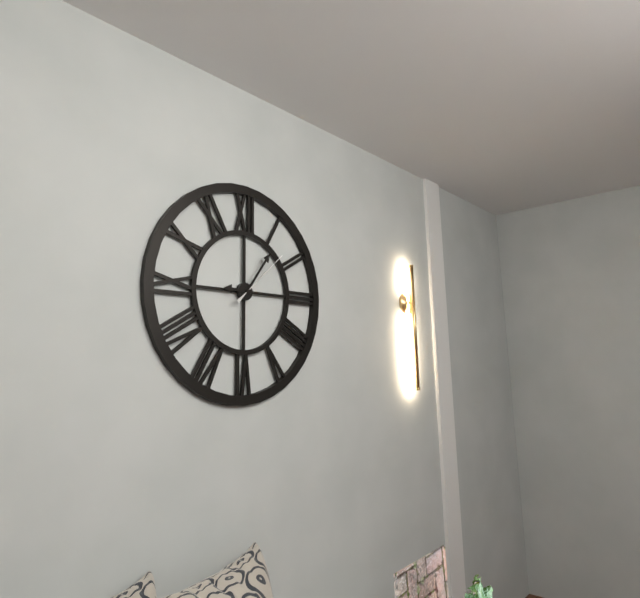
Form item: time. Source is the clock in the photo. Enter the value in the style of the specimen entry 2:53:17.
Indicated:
9:06:08
